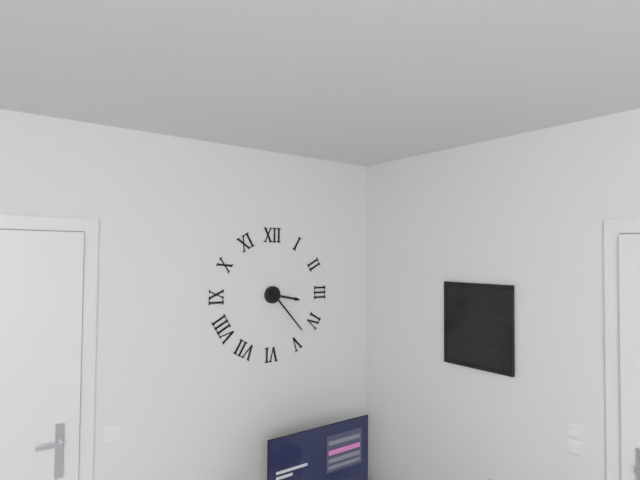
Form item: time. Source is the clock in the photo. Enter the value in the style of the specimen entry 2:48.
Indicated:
3:23
